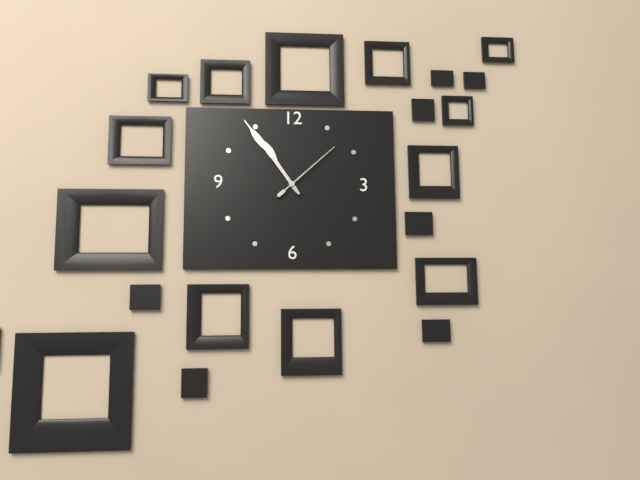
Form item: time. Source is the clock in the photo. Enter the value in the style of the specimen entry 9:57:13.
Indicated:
10:54:08
